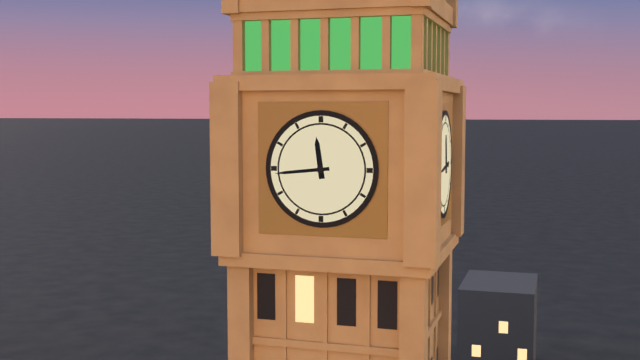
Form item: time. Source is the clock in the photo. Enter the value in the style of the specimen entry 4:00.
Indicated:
11:44
